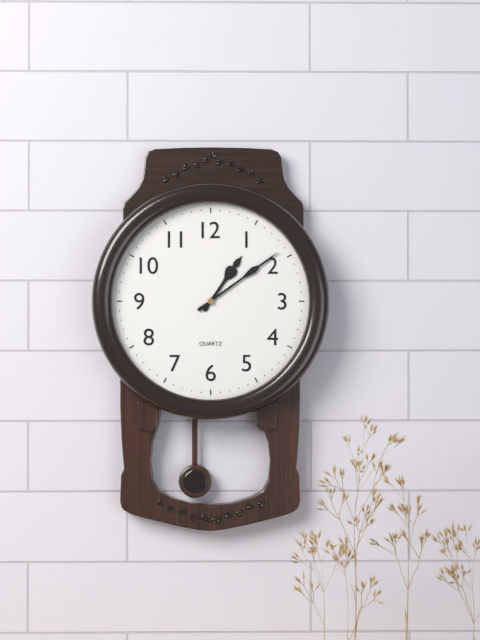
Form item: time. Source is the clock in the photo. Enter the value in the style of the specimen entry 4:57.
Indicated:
1:09
